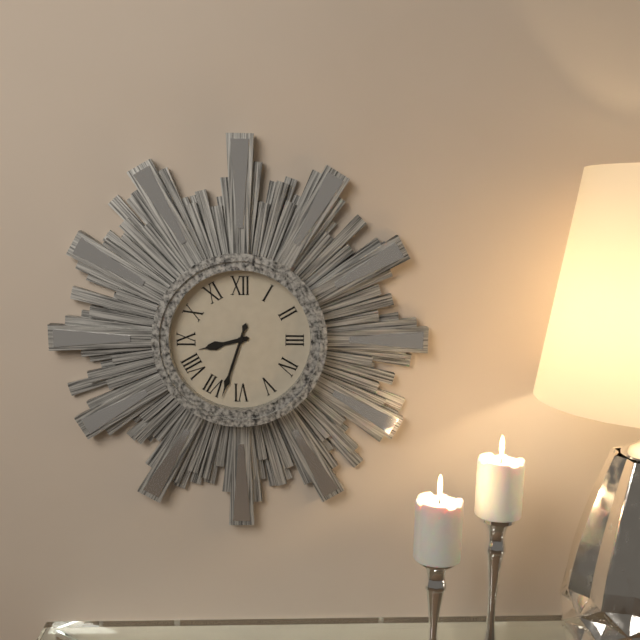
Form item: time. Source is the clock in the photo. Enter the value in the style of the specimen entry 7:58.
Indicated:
8:33
